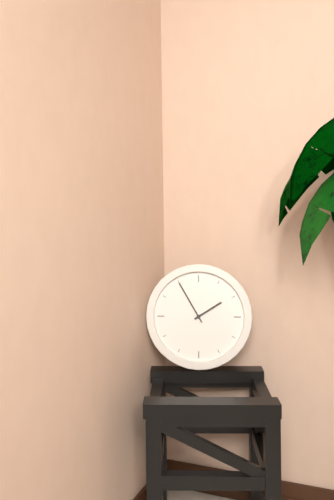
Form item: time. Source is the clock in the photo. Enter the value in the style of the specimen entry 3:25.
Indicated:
1:55
